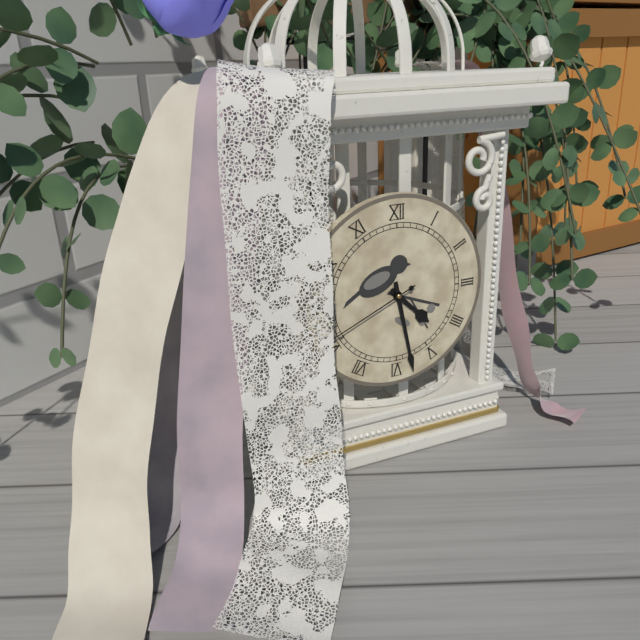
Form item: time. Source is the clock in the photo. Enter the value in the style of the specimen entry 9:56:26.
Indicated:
4:28:41
